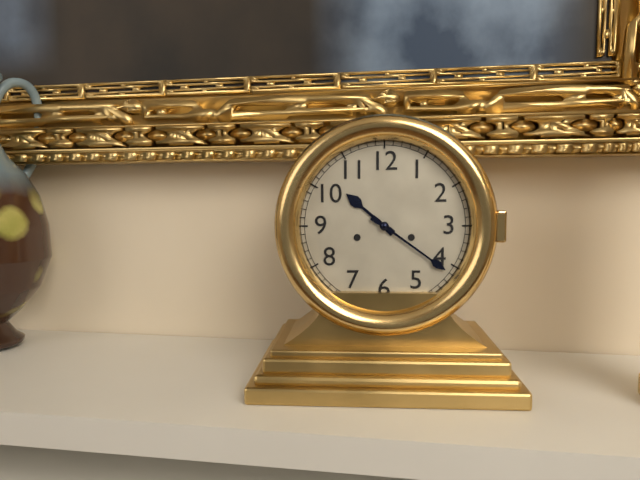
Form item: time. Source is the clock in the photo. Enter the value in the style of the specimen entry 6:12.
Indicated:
10:21
